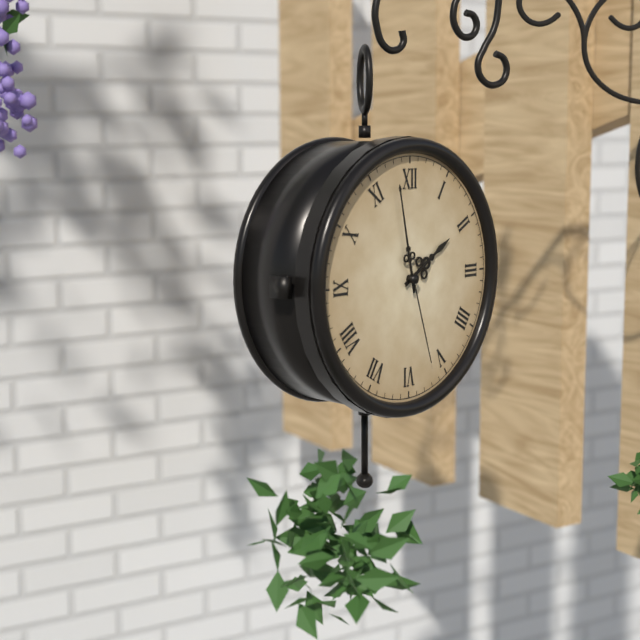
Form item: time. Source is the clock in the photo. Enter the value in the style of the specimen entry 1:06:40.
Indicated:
1:58:27
